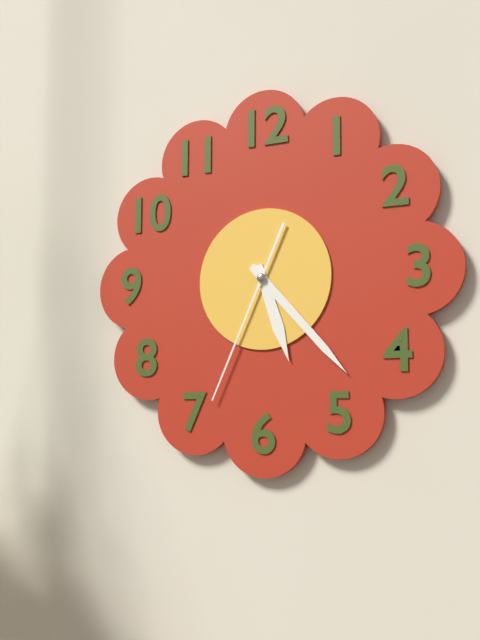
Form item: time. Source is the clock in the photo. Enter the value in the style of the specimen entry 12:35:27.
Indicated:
5:23:34
